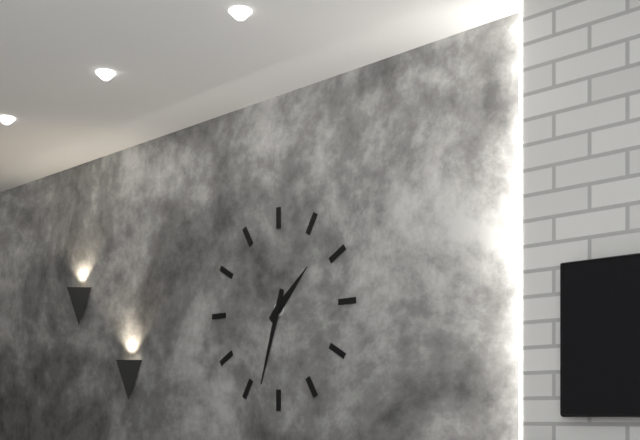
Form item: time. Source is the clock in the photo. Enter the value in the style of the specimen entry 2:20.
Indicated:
1:33
